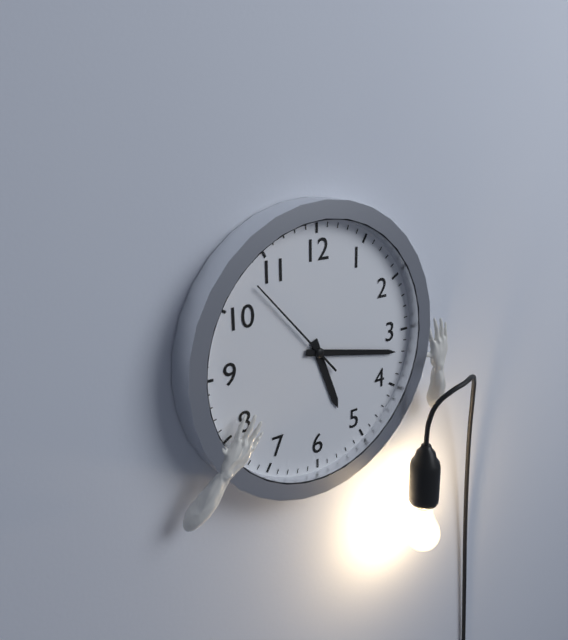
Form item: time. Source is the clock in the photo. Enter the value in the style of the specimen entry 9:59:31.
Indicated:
5:17:53
